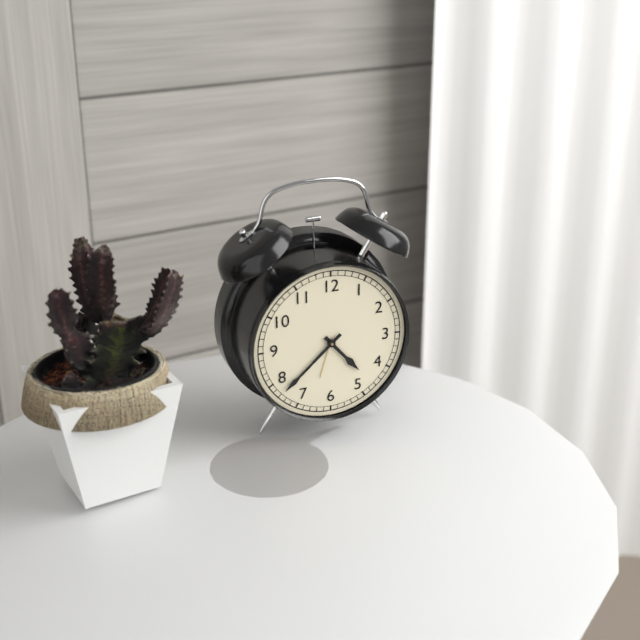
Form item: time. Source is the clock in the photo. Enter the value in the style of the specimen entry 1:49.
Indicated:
4:38
